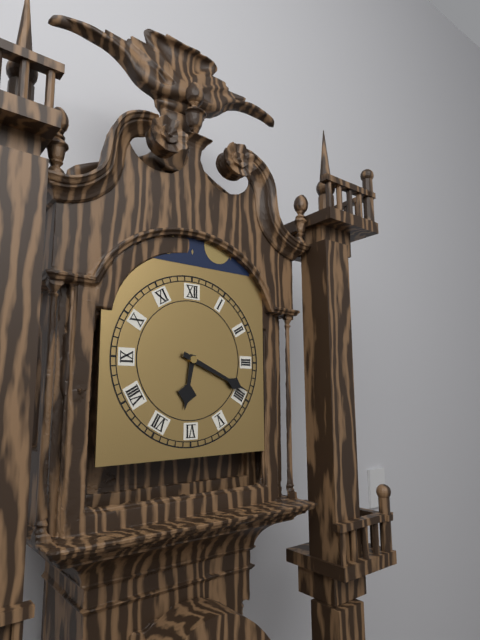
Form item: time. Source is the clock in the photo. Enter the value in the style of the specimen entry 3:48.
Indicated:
6:19
